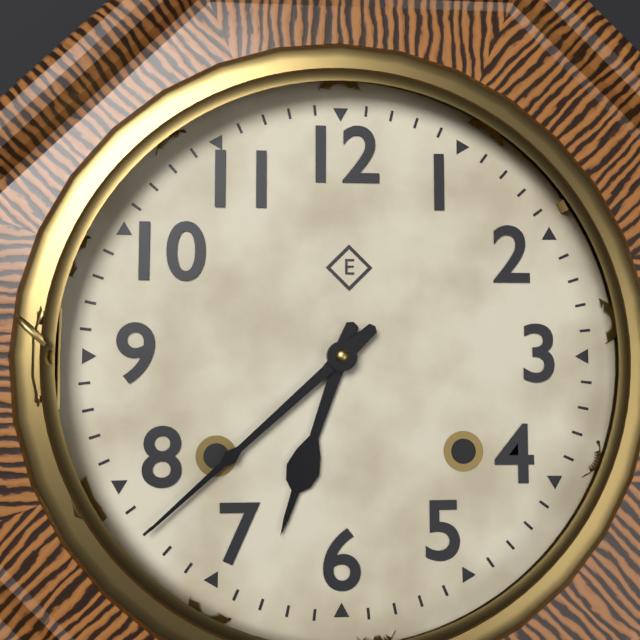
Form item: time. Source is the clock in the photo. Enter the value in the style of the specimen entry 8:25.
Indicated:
6:38
